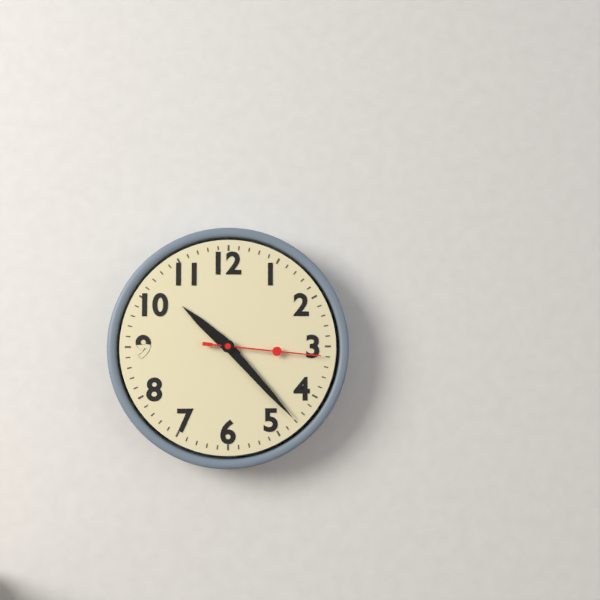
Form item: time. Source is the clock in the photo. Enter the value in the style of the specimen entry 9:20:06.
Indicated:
10:23:16
